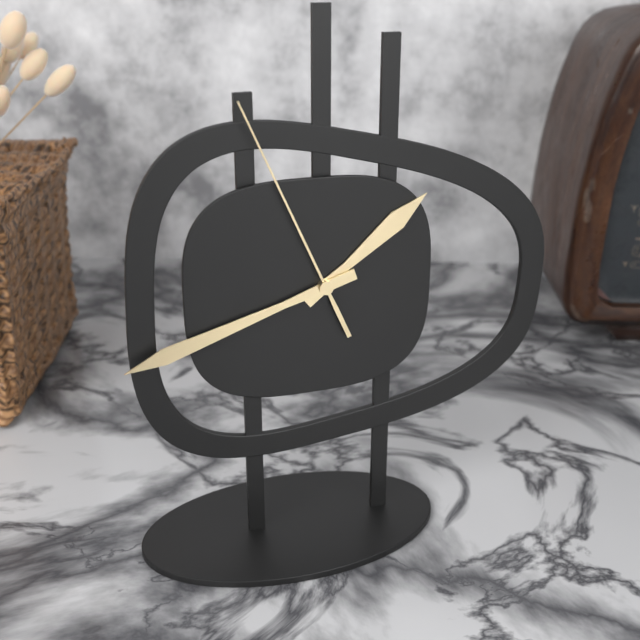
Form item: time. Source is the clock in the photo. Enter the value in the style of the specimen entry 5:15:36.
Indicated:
1:42:56
